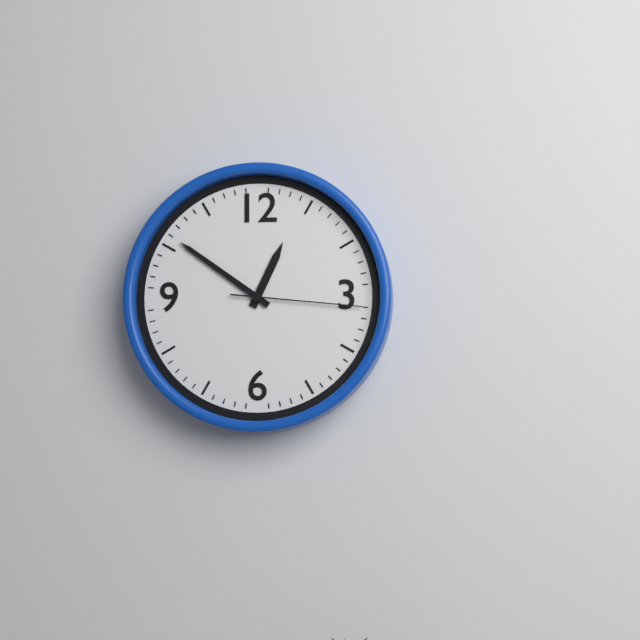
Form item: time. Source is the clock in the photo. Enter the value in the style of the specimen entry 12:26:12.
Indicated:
12:51:16
